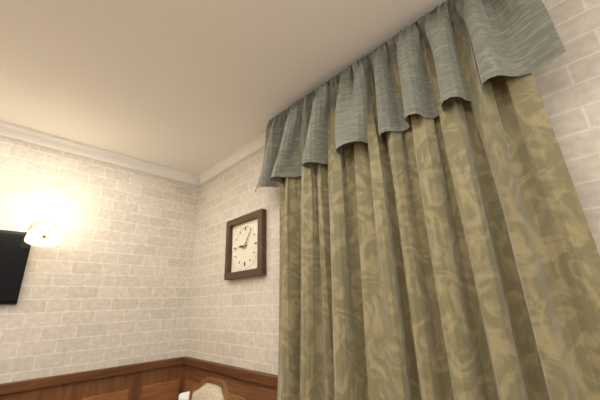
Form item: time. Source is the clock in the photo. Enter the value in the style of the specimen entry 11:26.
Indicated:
9:06
